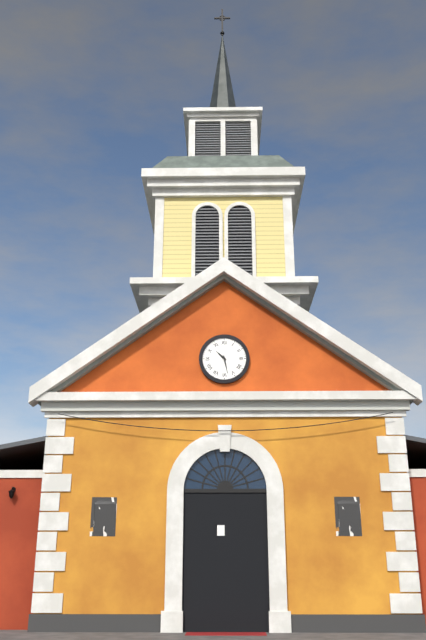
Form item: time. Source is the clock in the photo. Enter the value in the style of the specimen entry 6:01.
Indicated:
10:28
